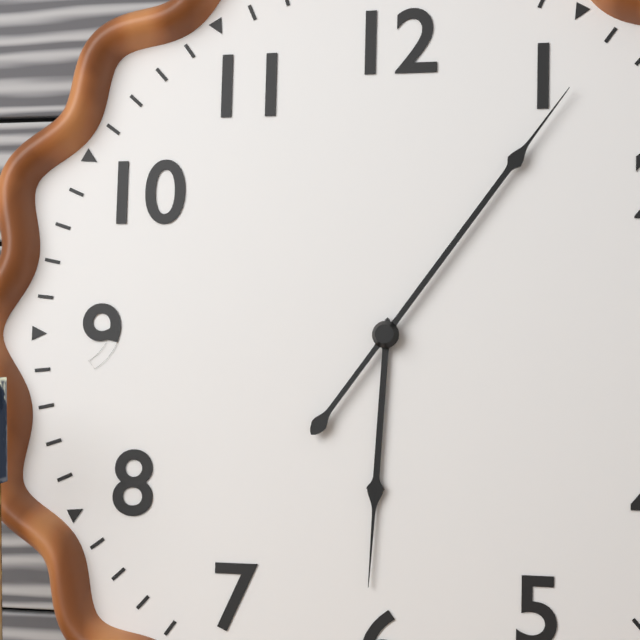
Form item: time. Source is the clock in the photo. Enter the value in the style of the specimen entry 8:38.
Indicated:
6:06
